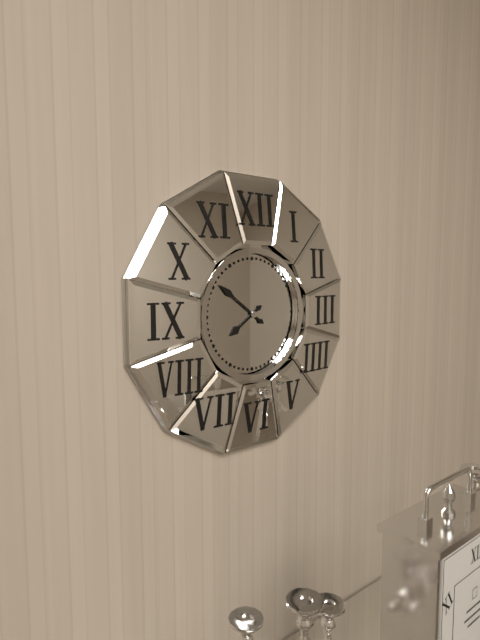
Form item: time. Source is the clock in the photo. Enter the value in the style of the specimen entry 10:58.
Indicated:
7:51
